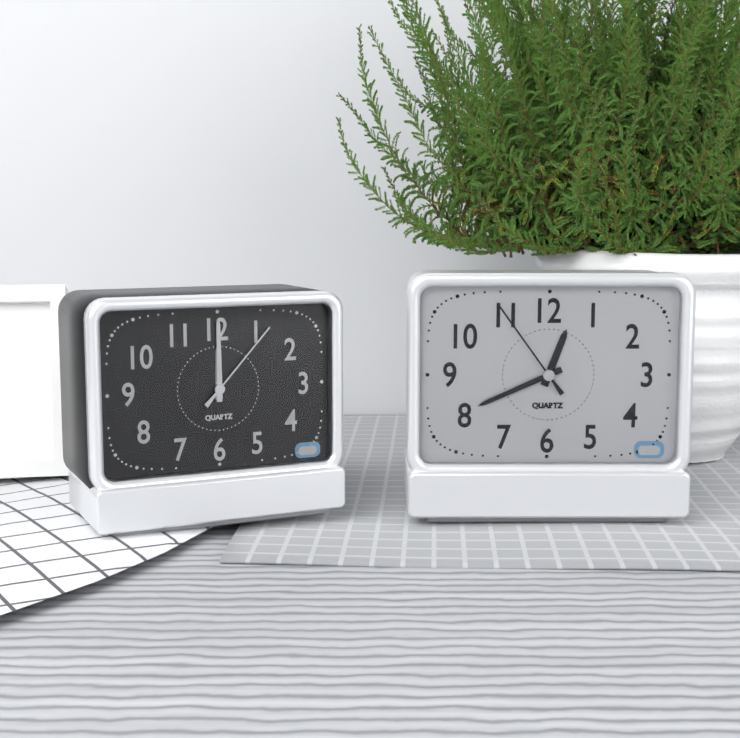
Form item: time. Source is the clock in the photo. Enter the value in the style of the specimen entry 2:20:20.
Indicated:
12:41:54
